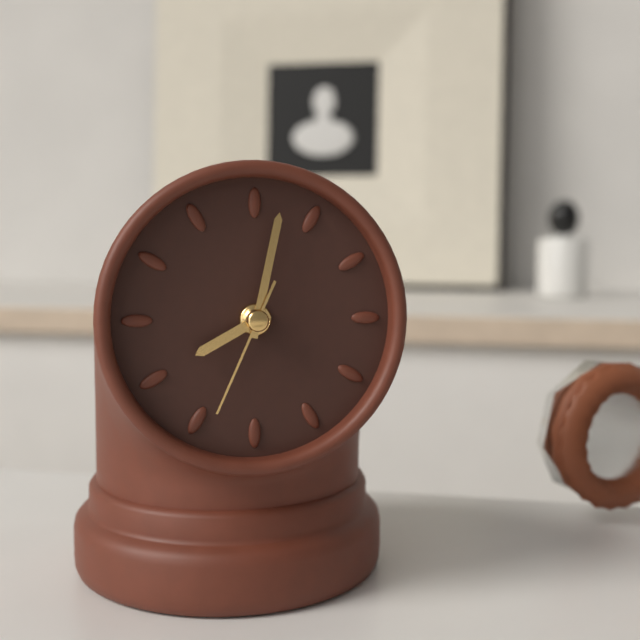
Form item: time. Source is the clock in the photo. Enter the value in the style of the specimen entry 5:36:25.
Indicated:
8:02:34
